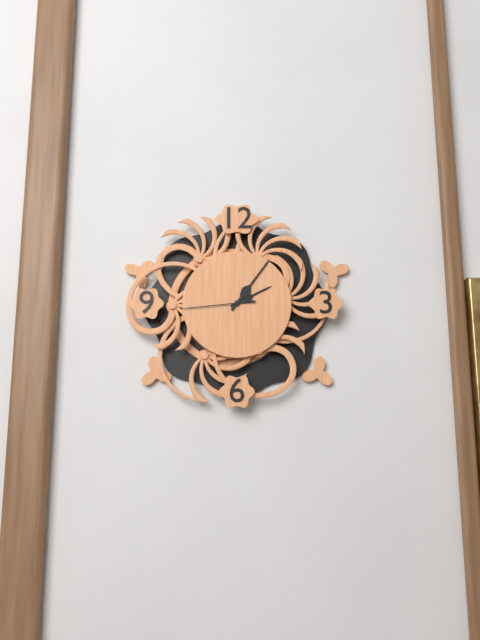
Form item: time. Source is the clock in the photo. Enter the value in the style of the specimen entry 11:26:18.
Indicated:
2:06:44
